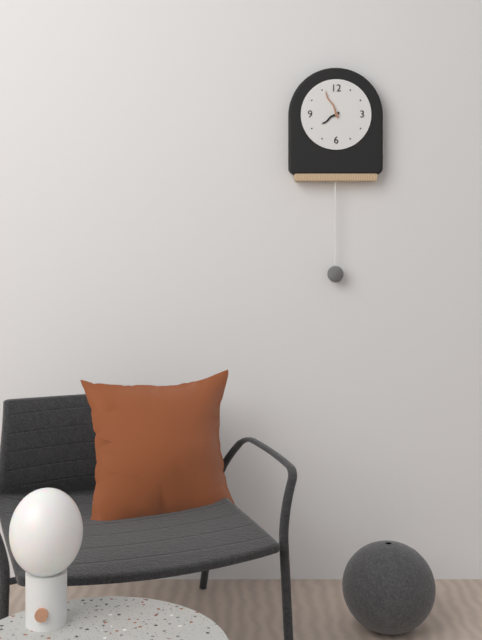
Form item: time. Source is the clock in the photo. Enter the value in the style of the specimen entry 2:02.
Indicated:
7:56
